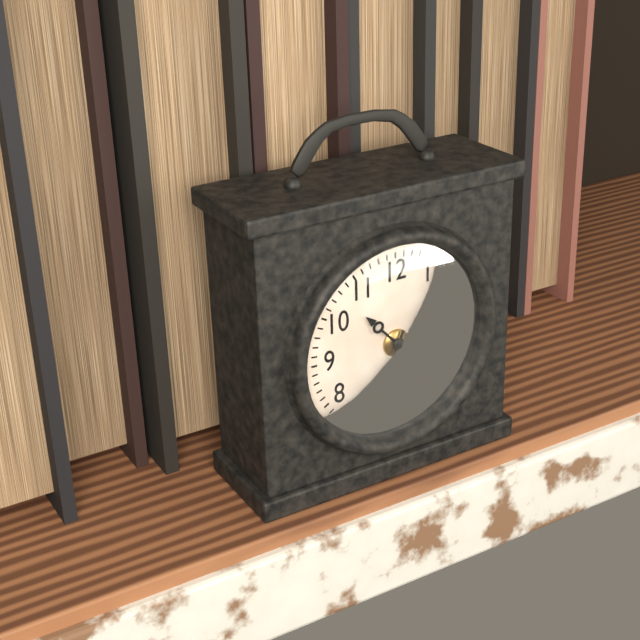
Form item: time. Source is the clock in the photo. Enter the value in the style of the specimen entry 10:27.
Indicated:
10:34
